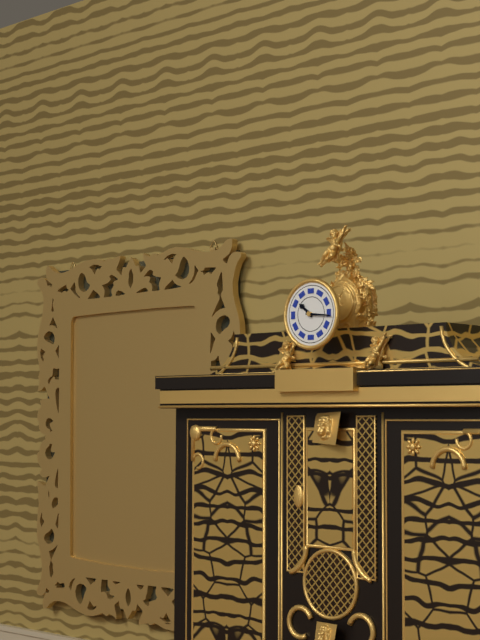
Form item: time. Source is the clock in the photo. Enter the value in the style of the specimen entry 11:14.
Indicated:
10:16
